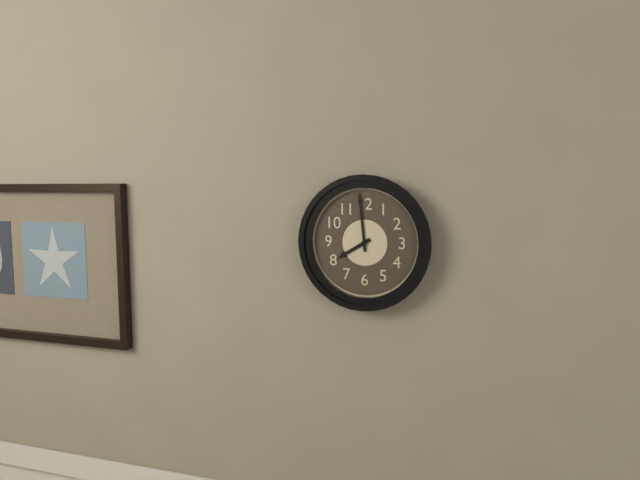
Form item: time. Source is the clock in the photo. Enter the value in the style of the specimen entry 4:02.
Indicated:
7:59
